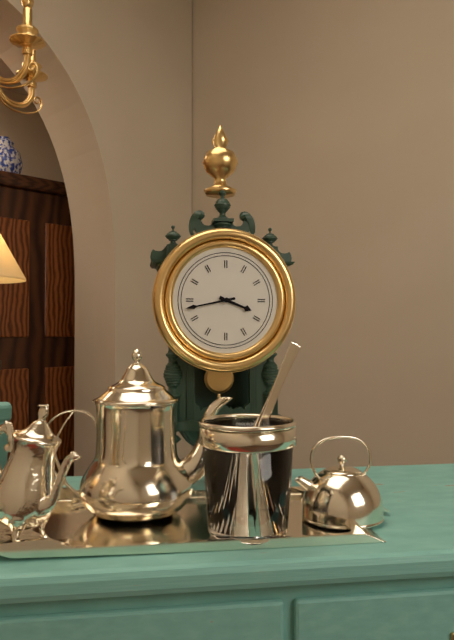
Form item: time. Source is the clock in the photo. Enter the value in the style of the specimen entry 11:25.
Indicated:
3:43
